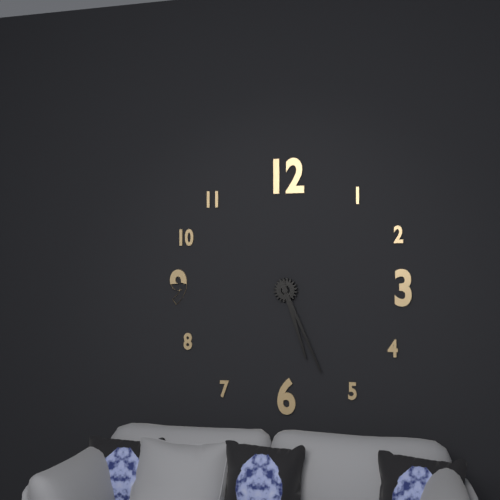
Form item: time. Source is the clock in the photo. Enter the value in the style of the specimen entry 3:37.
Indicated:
5:26
